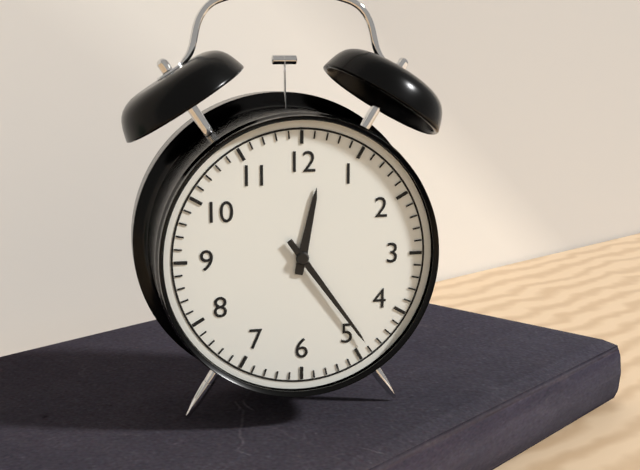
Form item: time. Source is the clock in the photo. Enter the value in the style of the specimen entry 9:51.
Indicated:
12:24
